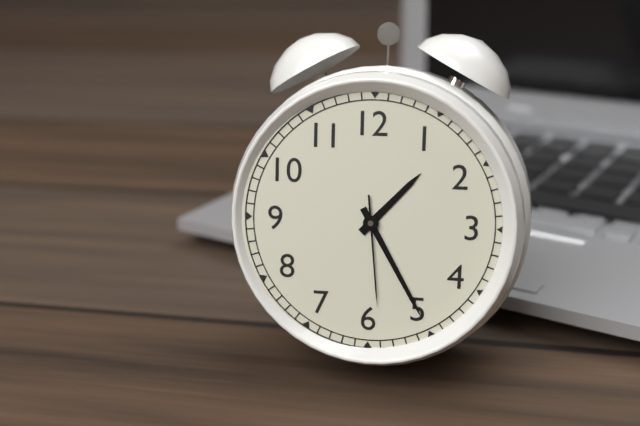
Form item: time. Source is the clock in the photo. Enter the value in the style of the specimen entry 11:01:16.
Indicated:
1:25:29
